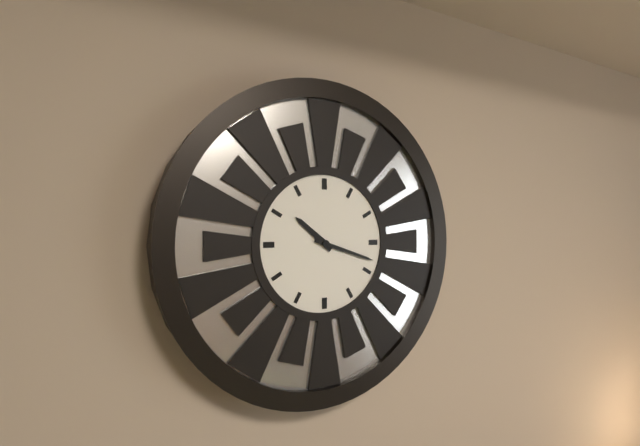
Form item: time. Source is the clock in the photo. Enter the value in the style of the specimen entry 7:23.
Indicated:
10:18
